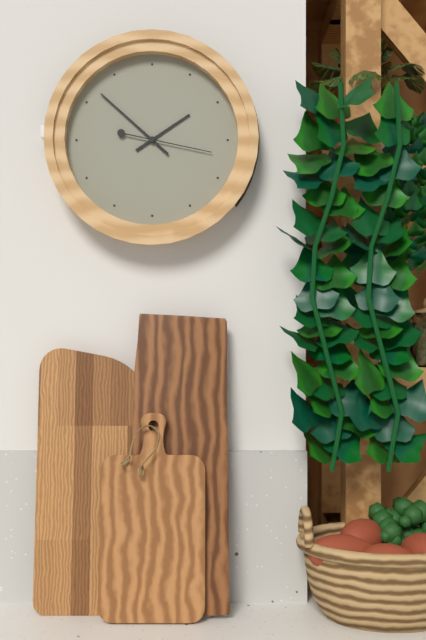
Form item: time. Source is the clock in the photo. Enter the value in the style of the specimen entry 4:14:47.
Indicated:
1:52:17
